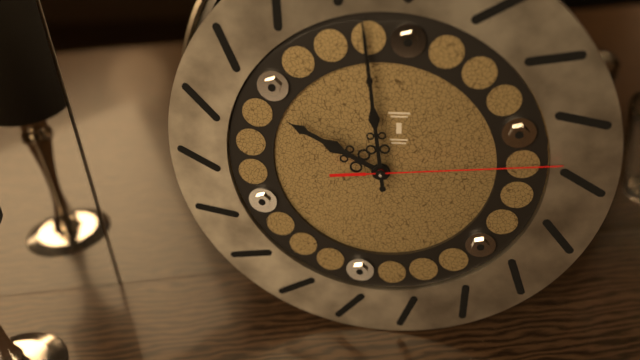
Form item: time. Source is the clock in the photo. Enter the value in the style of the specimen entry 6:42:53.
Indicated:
9:59:14
